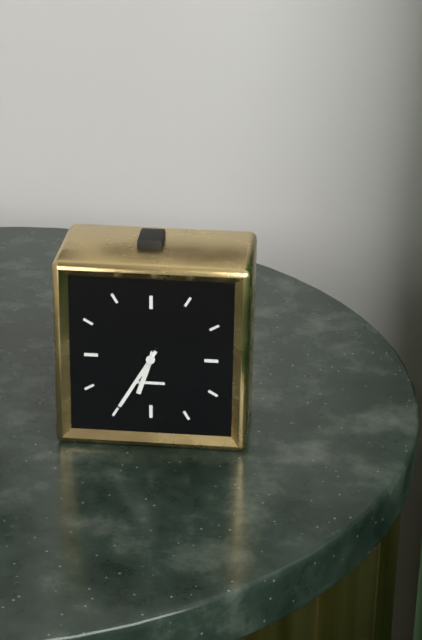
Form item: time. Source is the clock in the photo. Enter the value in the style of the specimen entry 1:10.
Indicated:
6:35
